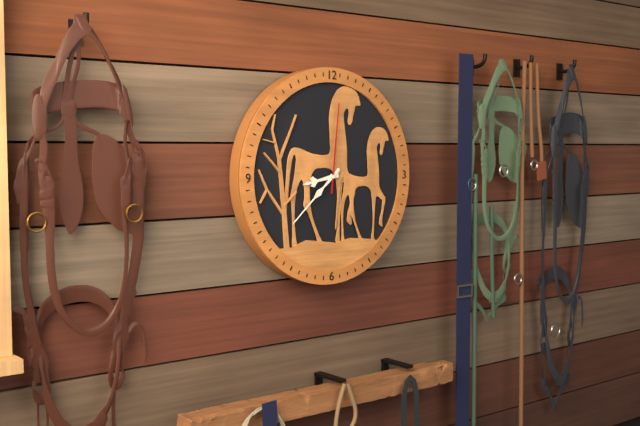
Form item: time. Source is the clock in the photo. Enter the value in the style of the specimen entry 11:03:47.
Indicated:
8:38:01
